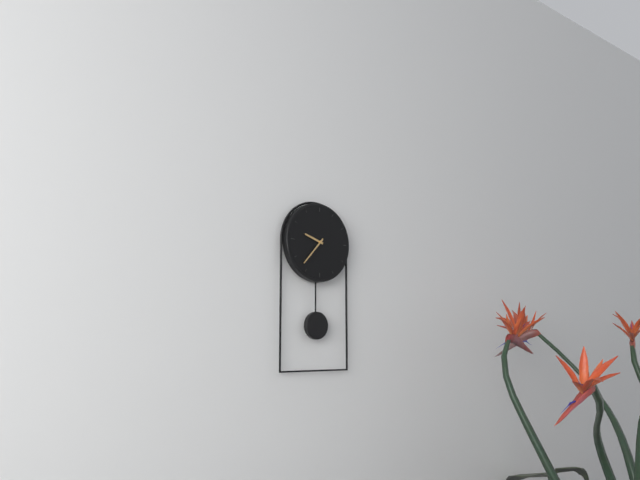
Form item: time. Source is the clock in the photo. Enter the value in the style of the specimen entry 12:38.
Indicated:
9:37
